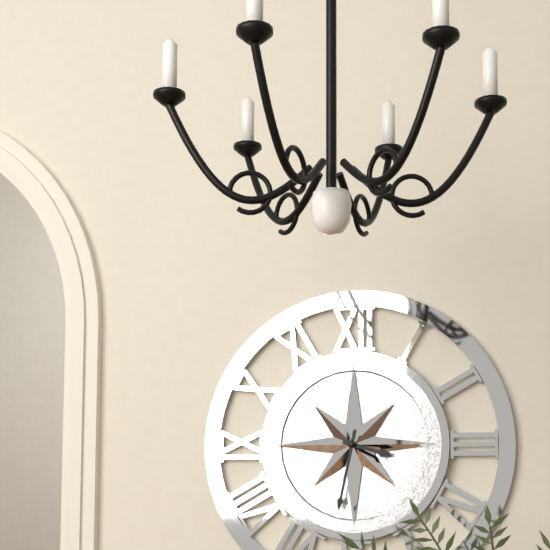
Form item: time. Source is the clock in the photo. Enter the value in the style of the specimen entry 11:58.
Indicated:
3:32
